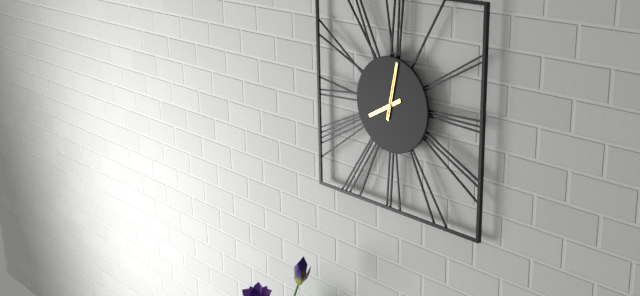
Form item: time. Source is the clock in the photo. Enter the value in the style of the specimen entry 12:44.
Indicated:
8:02
